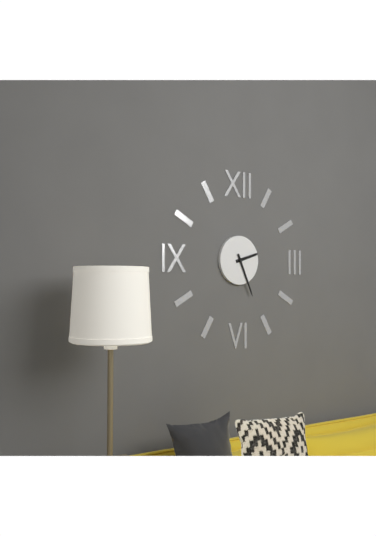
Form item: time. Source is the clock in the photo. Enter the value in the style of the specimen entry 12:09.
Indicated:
2:26
